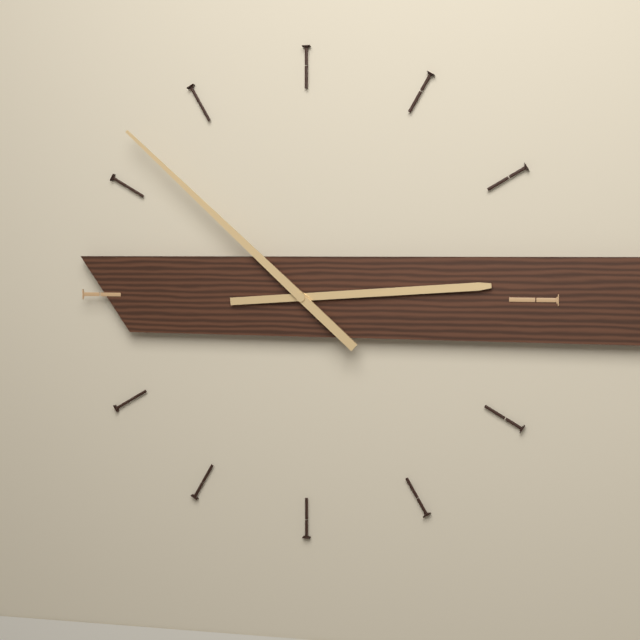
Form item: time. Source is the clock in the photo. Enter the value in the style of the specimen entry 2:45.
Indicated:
2:52
